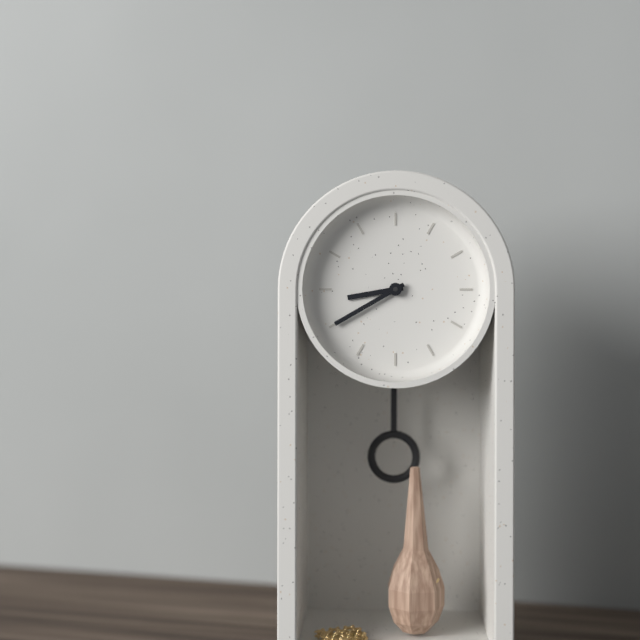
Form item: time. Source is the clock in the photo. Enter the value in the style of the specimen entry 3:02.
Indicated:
8:40
